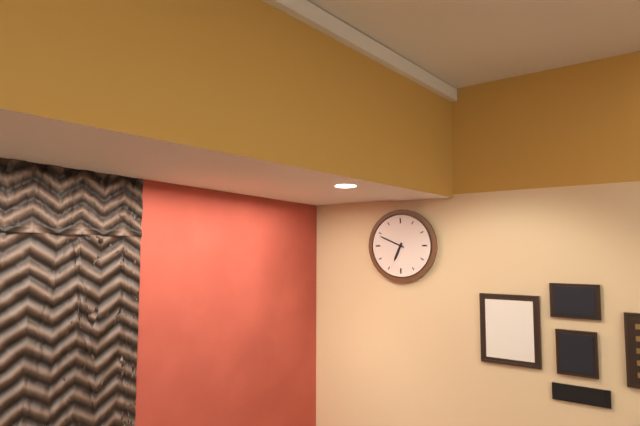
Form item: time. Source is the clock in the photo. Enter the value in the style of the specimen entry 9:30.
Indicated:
6:49
